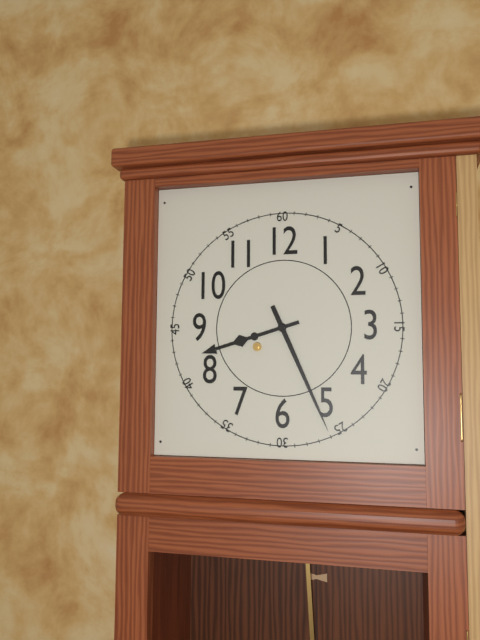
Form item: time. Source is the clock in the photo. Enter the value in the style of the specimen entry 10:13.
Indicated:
8:26
